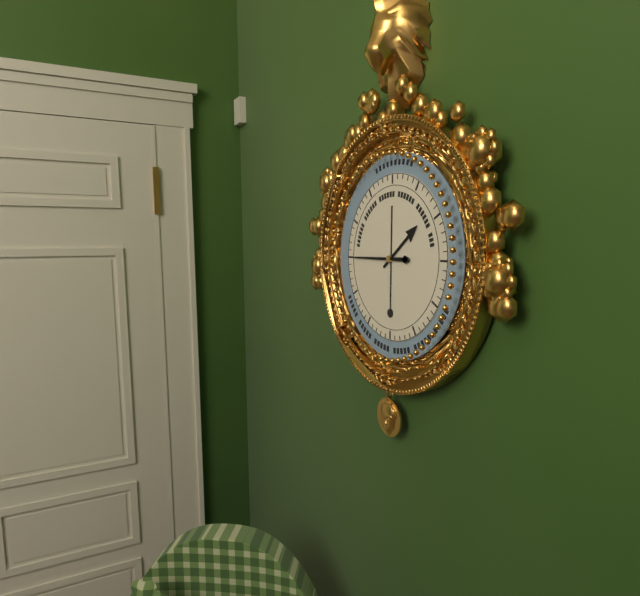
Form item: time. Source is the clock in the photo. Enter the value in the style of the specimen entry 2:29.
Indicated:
1:45
